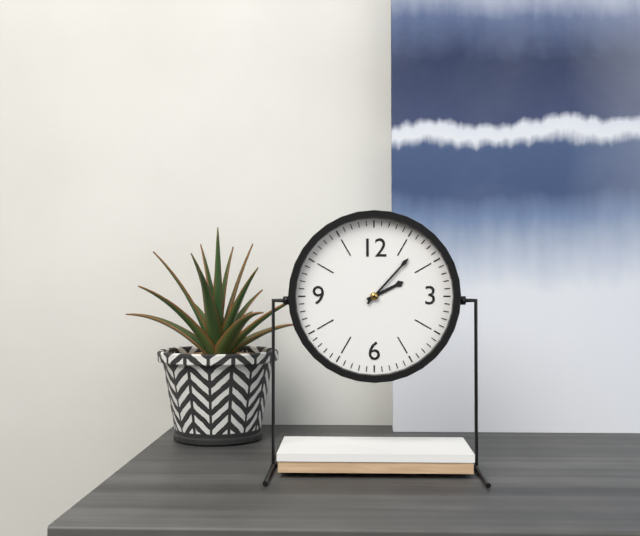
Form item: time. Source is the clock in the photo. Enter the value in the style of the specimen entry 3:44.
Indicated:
2:07
